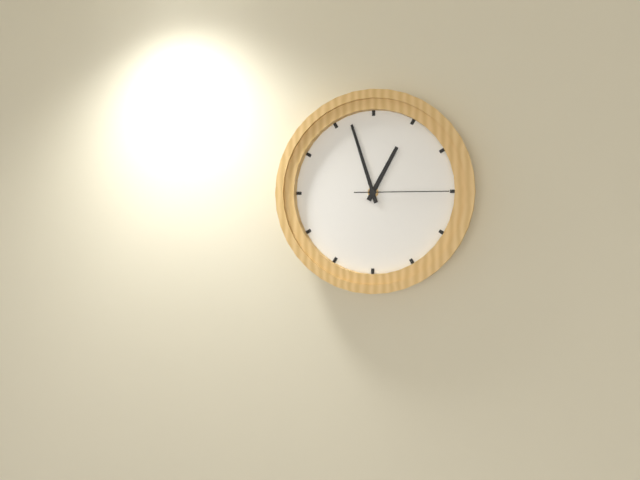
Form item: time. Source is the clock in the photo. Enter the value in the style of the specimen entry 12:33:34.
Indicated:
12:57:15
